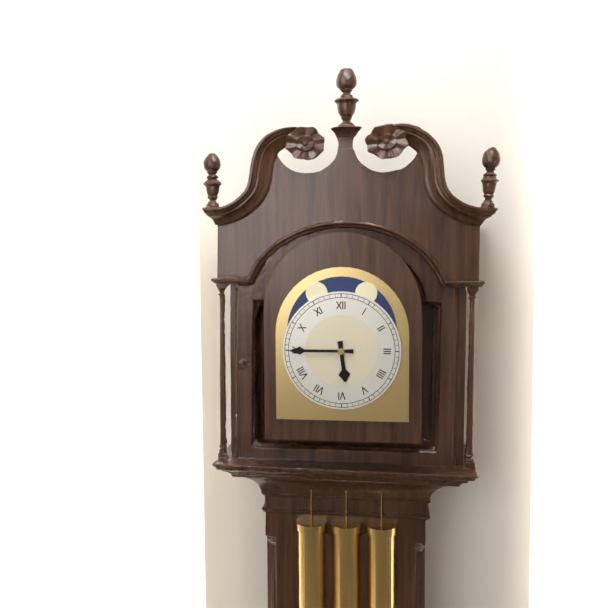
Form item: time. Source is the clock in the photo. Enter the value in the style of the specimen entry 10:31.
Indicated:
5:45
